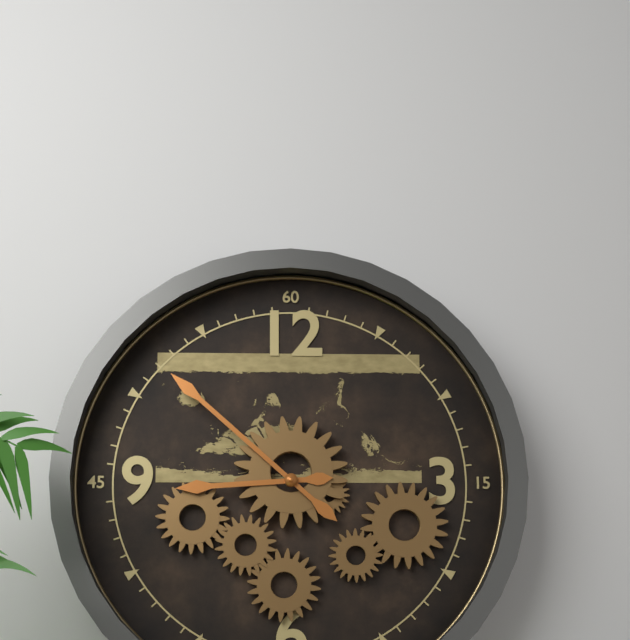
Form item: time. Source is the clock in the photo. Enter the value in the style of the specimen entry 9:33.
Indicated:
8:52
